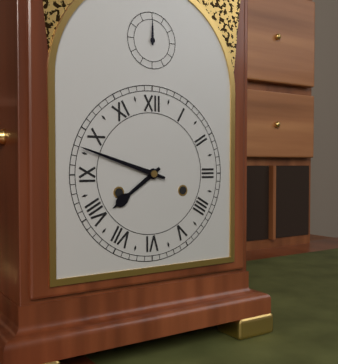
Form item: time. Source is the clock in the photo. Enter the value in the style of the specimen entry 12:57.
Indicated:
7:48
